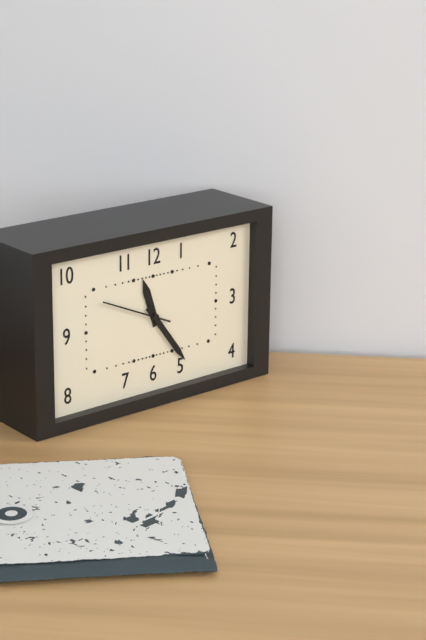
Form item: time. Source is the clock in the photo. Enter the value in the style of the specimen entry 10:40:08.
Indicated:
11:24:49
